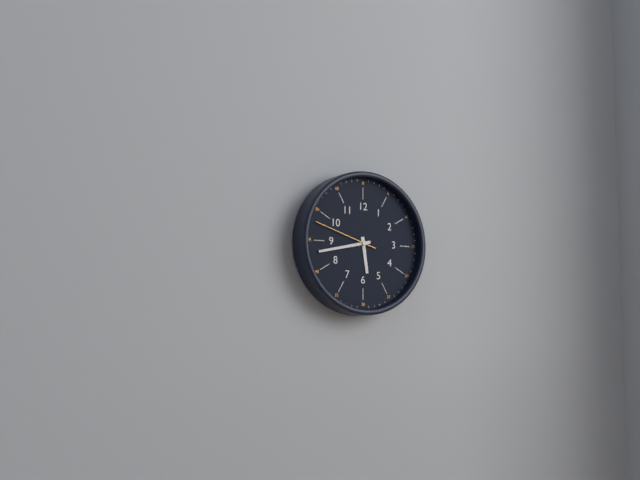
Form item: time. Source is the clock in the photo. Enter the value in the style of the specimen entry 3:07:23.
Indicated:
5:43:48
